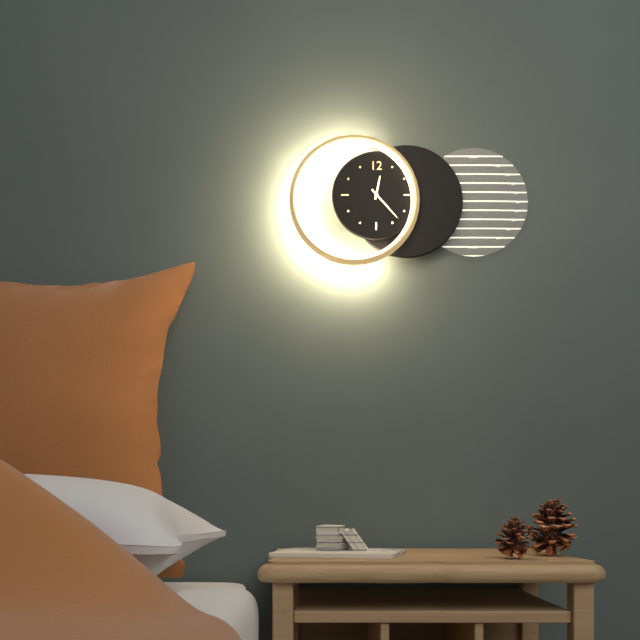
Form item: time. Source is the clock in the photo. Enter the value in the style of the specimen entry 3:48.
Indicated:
12:23
